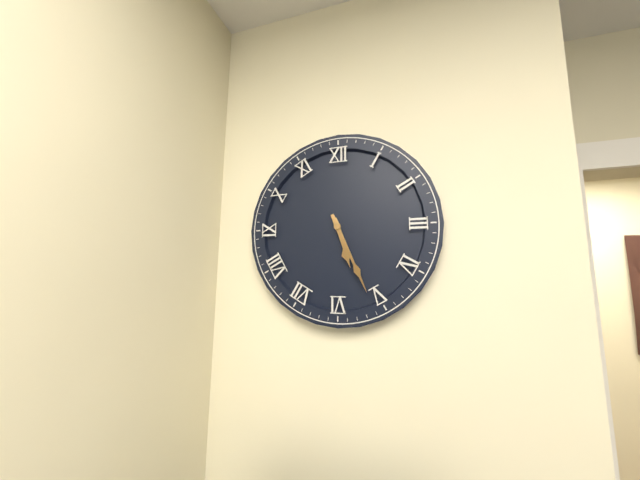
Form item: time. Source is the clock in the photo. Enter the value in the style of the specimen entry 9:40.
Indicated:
5:26
